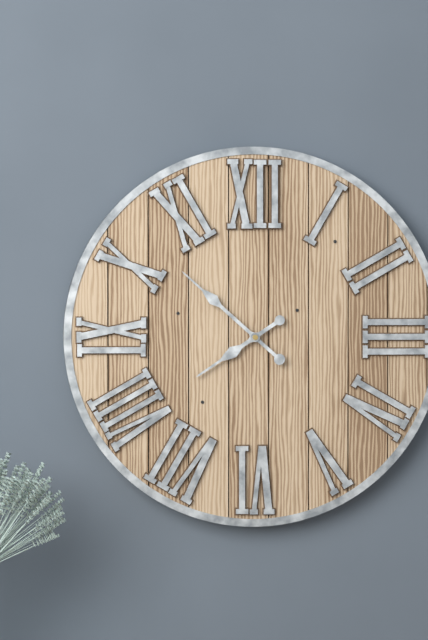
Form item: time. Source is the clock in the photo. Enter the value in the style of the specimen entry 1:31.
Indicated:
7:52
